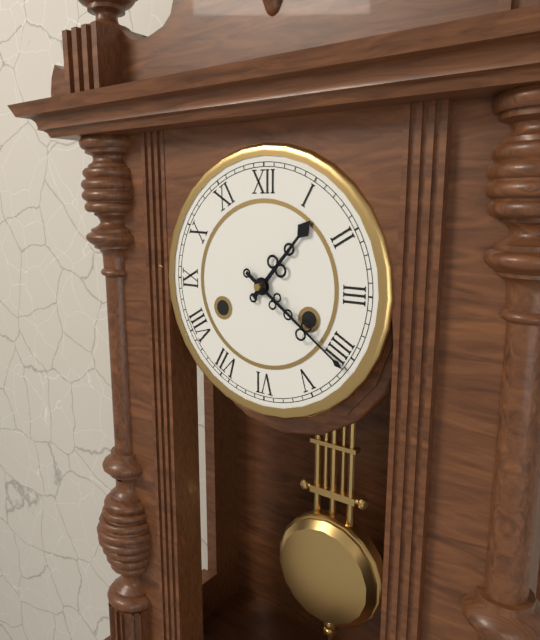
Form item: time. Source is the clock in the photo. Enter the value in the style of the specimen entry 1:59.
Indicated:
1:21
